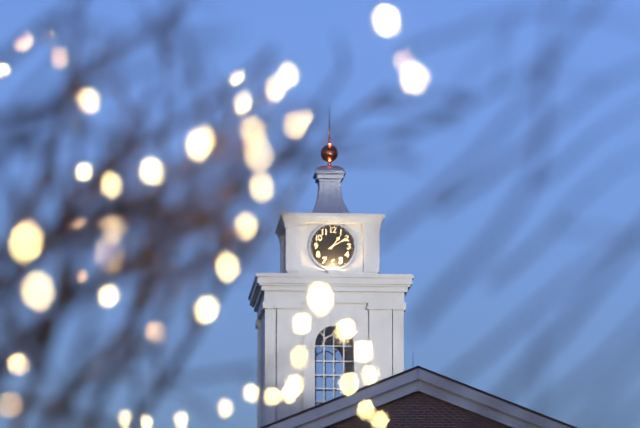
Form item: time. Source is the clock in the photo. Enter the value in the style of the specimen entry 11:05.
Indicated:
1:10
